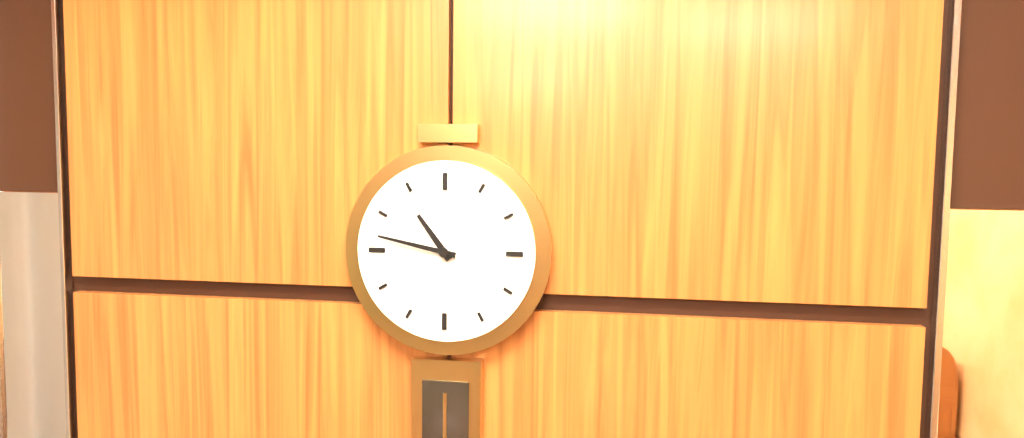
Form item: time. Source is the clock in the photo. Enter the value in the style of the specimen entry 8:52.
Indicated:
10:47
